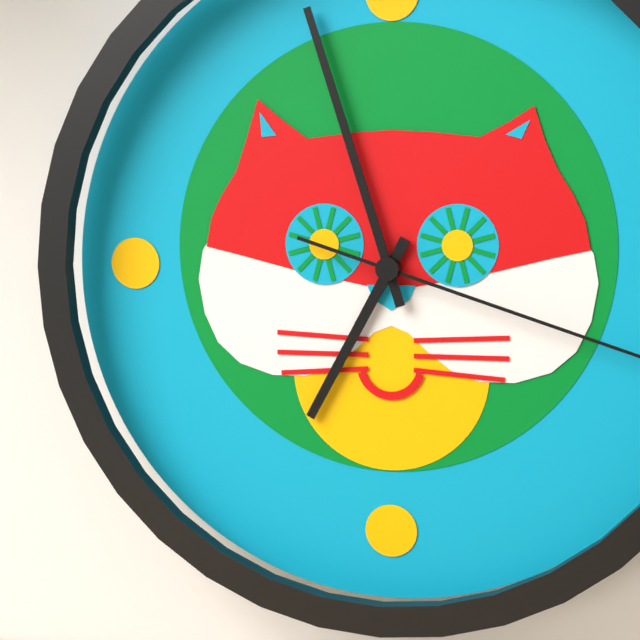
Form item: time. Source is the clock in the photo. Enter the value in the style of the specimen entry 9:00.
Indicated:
6:57
